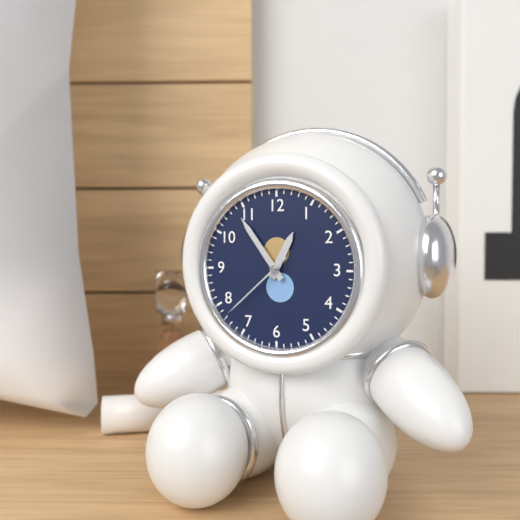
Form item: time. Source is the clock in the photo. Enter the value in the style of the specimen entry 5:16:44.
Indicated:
12:54:38
